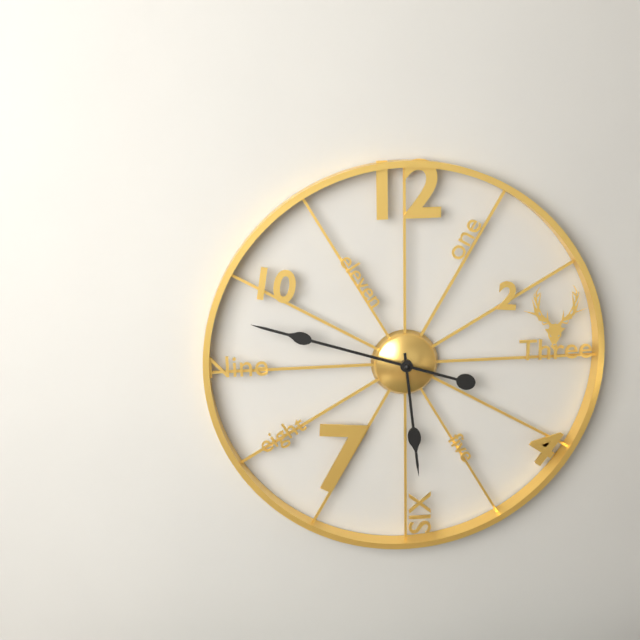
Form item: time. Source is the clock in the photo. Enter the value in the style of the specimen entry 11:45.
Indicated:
5:48
